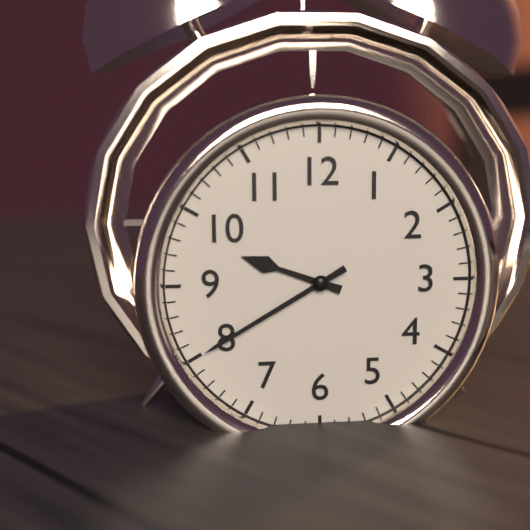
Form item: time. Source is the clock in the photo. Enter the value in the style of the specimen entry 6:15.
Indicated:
9:40
